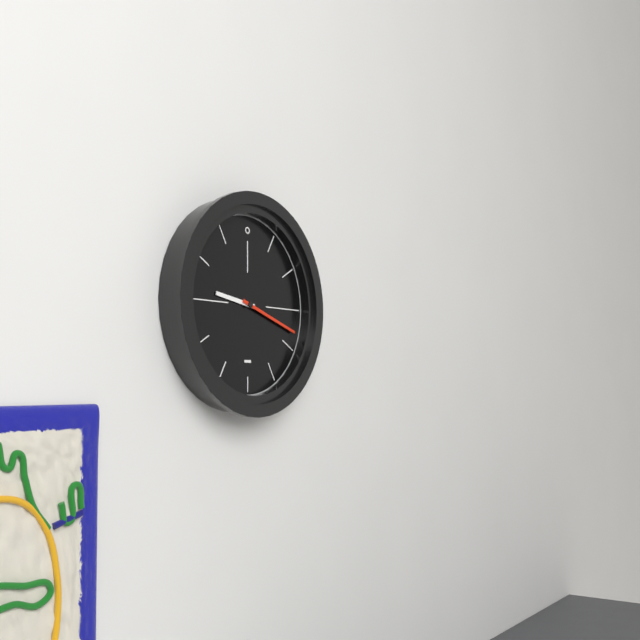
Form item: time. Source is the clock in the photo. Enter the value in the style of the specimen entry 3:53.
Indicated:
9:18
